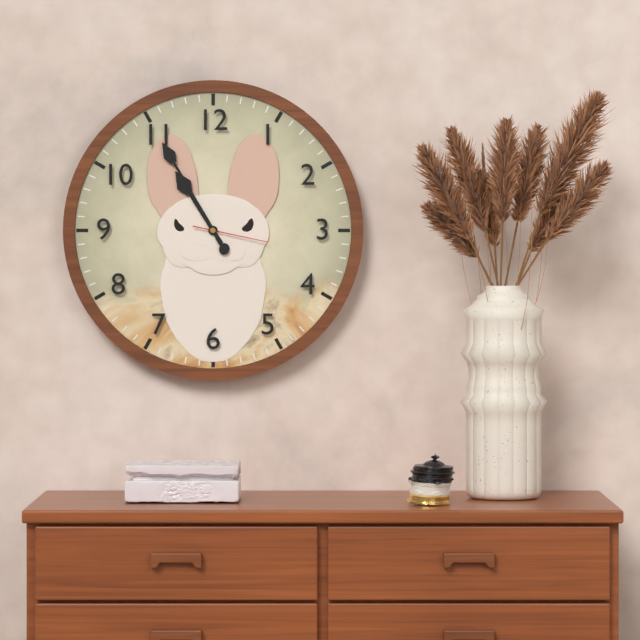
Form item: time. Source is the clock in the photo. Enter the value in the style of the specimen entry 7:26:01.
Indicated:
10:55:17
